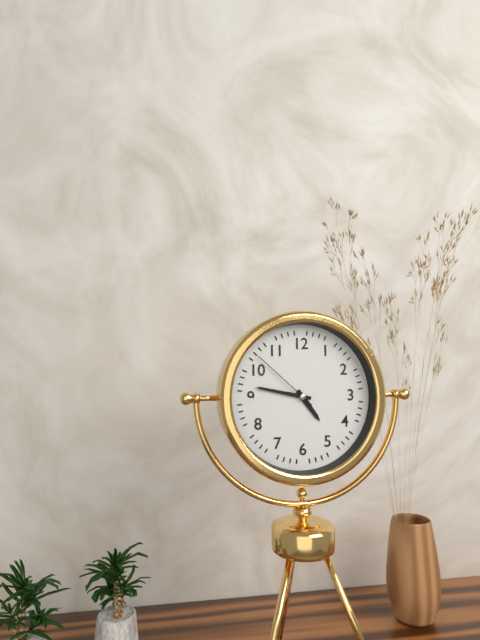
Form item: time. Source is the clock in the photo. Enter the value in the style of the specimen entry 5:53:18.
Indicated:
4:47:52
